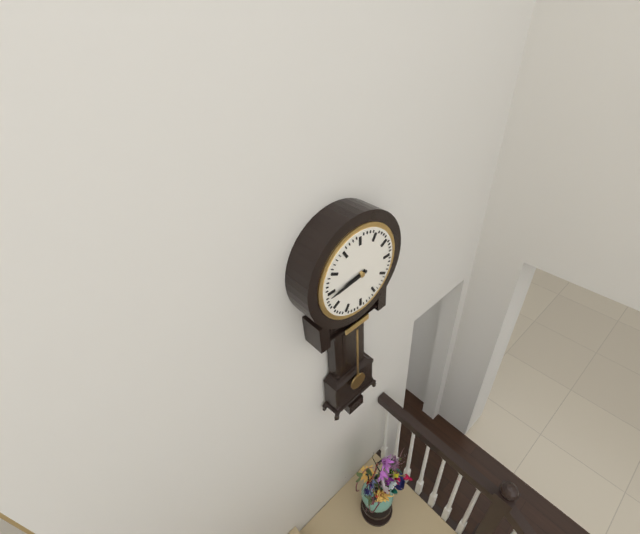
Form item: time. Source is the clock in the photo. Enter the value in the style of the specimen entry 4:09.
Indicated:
8:44
